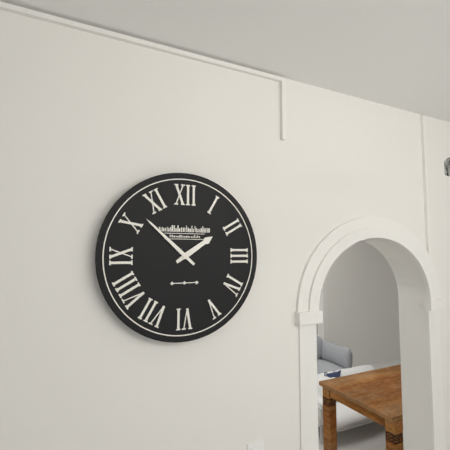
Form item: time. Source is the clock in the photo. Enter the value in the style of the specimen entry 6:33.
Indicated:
1:52
